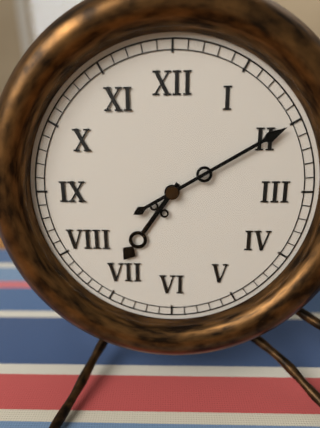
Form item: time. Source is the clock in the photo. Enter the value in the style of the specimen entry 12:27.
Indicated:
7:10
